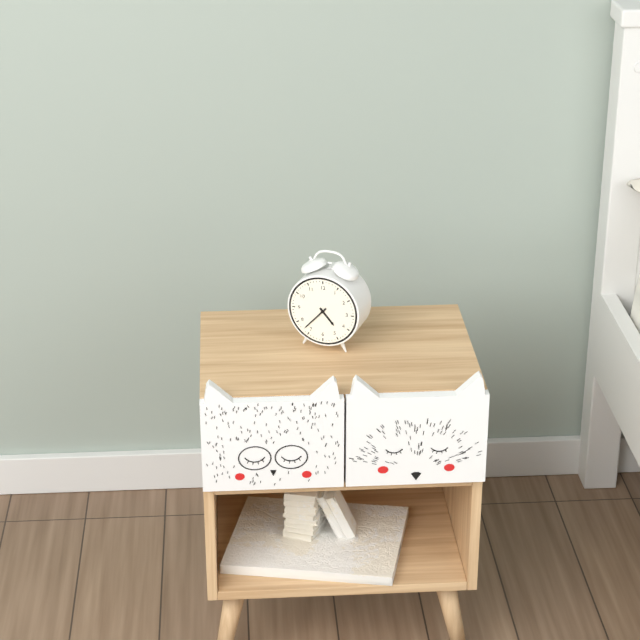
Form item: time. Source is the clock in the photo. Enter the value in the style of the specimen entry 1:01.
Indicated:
4:37
